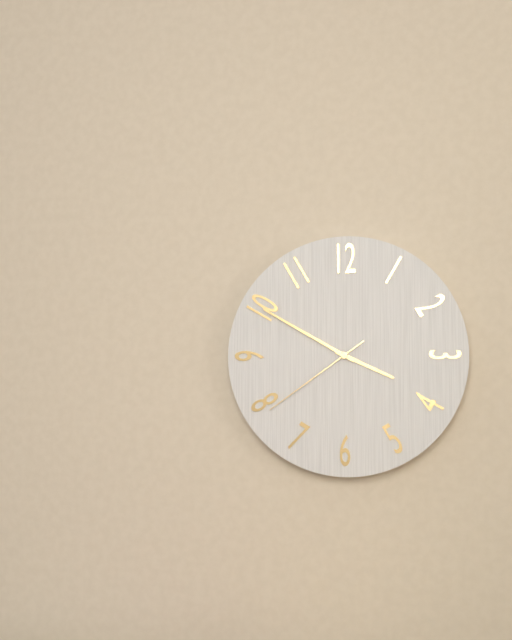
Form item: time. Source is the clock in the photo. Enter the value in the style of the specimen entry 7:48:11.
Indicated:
3:50:39
